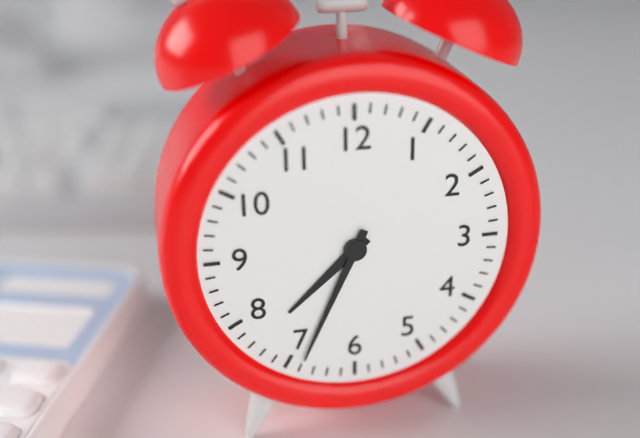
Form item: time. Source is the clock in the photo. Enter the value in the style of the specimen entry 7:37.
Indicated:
7:34
